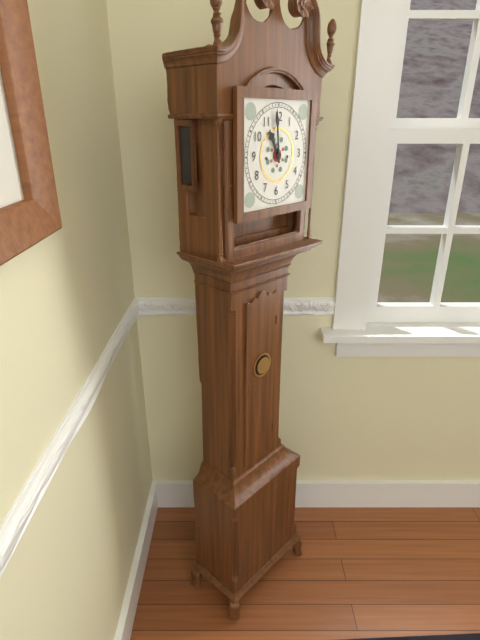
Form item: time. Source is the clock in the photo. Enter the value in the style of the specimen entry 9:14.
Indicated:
10:59
